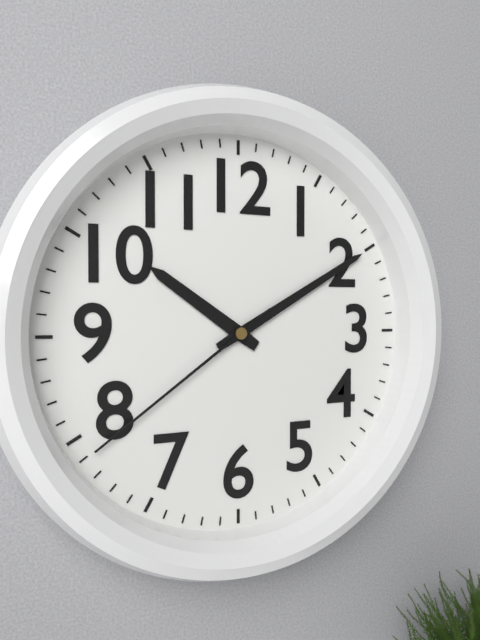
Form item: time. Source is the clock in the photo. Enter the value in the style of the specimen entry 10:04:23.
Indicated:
10:10:39
